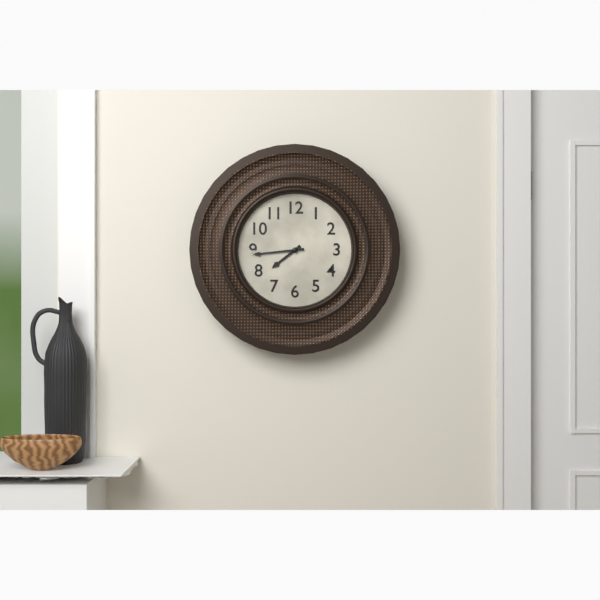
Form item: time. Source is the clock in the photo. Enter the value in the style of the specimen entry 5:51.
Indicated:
7:44
